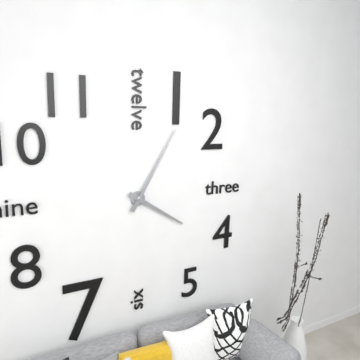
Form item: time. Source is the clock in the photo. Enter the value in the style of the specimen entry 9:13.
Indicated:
4:05
